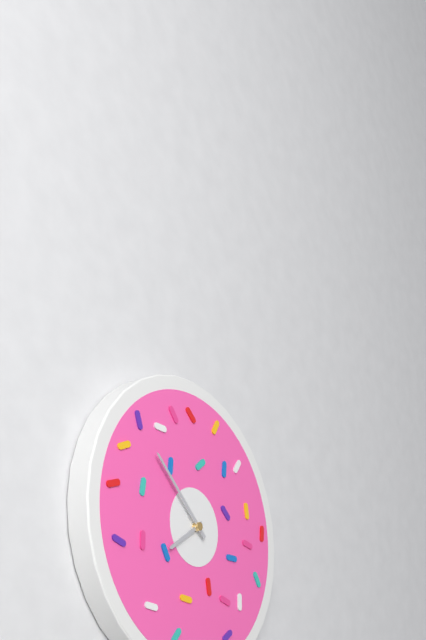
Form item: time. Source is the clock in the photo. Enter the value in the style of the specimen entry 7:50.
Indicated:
7:52
